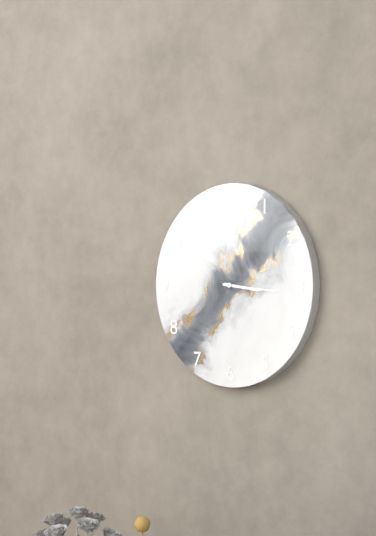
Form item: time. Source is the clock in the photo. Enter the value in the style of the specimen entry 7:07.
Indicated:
3:16
